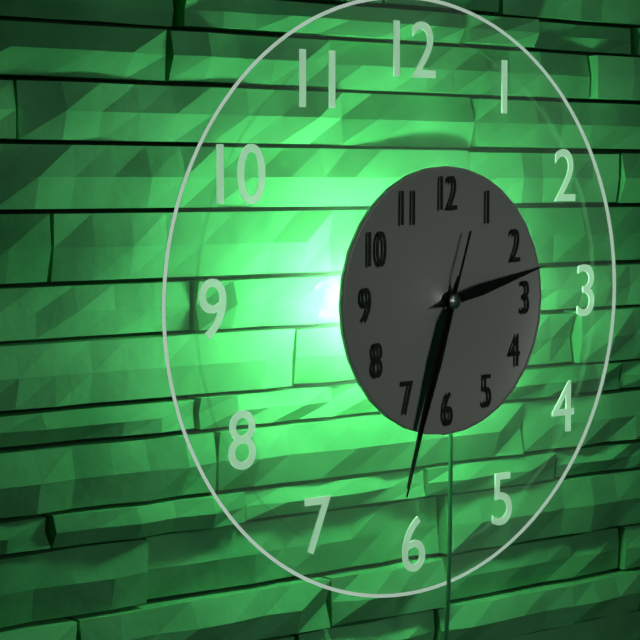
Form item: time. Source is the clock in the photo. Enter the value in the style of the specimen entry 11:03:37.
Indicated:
2:33:33
